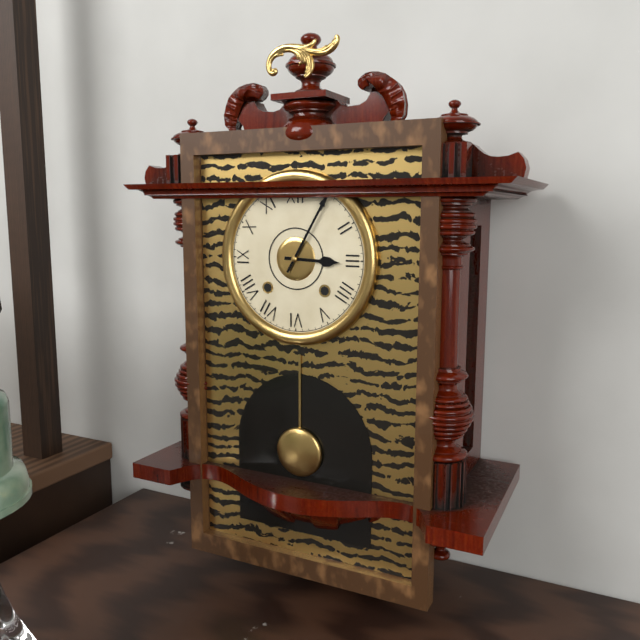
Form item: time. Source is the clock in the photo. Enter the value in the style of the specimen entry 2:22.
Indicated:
3:05
